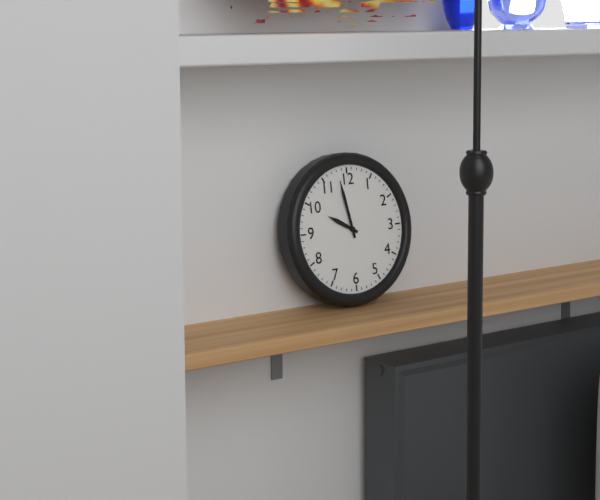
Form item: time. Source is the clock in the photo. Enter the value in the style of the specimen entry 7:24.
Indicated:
9:58
